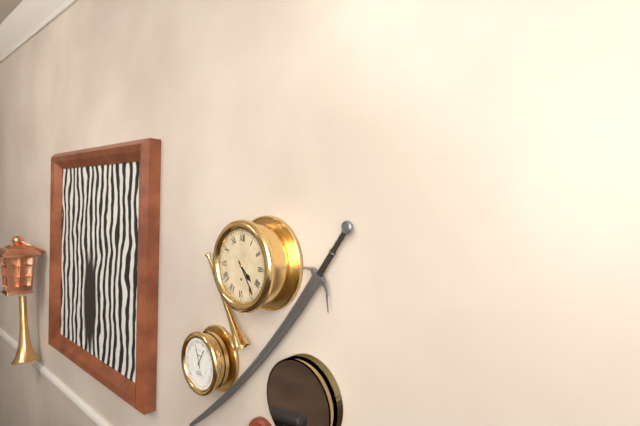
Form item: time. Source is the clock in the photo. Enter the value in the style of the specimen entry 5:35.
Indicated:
4:24
